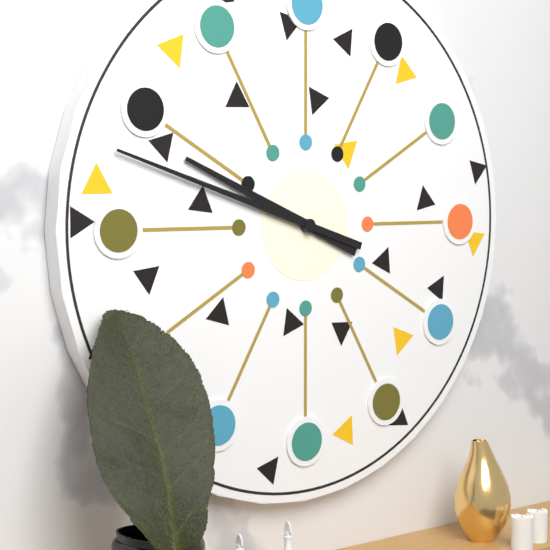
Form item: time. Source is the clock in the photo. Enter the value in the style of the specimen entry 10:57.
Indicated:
9:48
